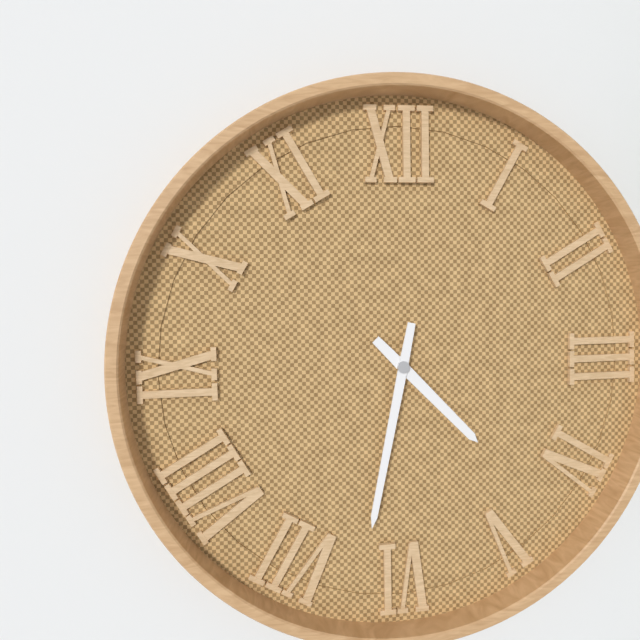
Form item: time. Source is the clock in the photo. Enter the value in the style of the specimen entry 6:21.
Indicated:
4:32
